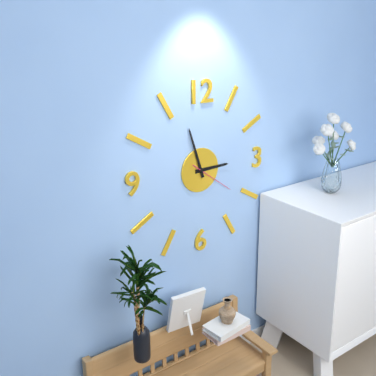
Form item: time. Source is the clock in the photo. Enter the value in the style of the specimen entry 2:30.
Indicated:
2:57
